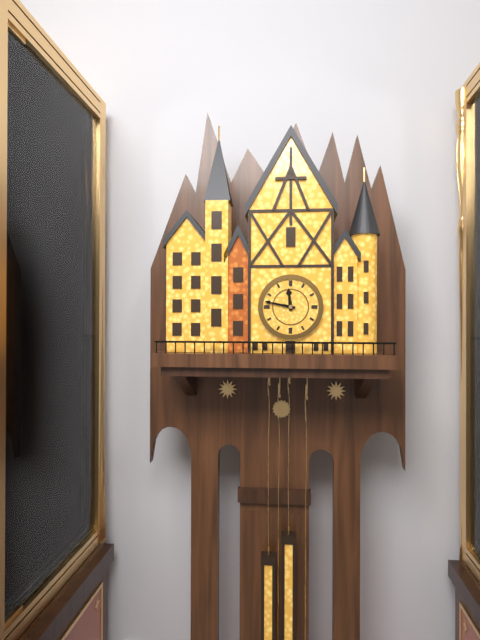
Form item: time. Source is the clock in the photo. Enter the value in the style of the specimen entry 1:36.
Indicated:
11:47
